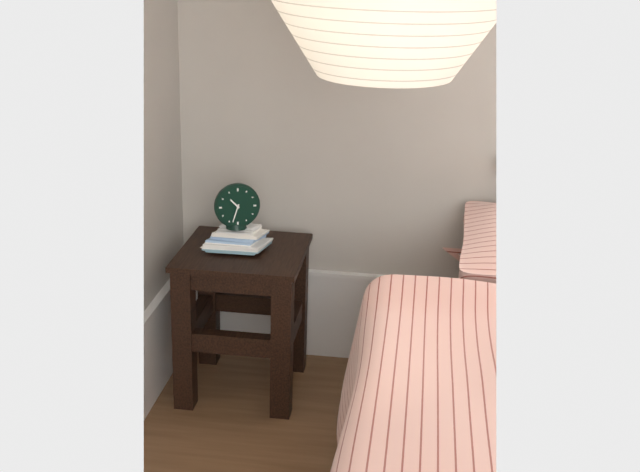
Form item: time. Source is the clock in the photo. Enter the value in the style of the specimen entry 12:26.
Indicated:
10:33
